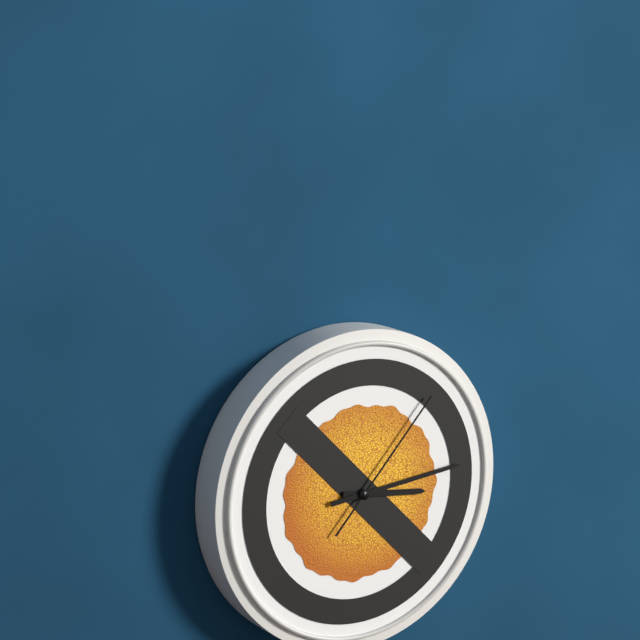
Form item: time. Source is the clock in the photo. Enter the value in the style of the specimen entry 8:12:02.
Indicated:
3:14:07
